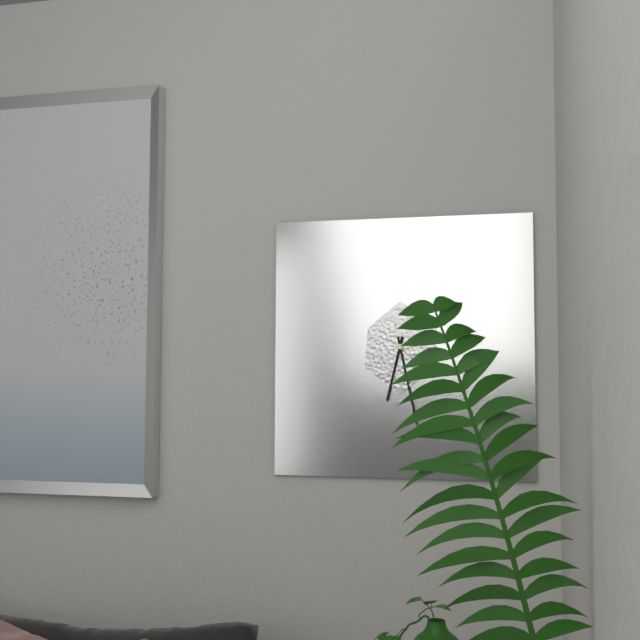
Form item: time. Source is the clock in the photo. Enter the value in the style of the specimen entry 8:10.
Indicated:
6:28
